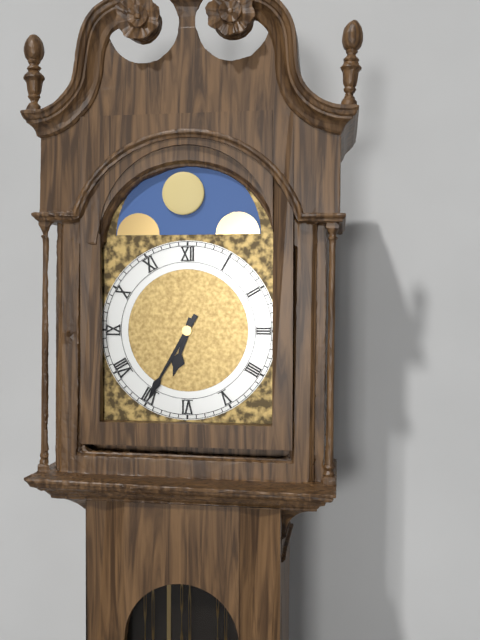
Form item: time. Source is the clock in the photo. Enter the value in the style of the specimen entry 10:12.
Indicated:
6:35
